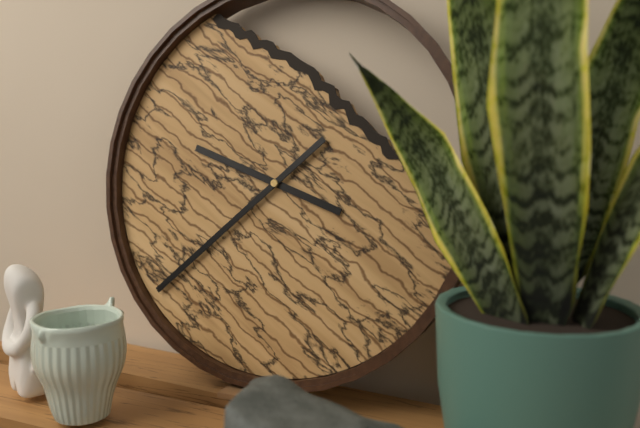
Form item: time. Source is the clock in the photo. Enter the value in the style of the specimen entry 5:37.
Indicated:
9:38
